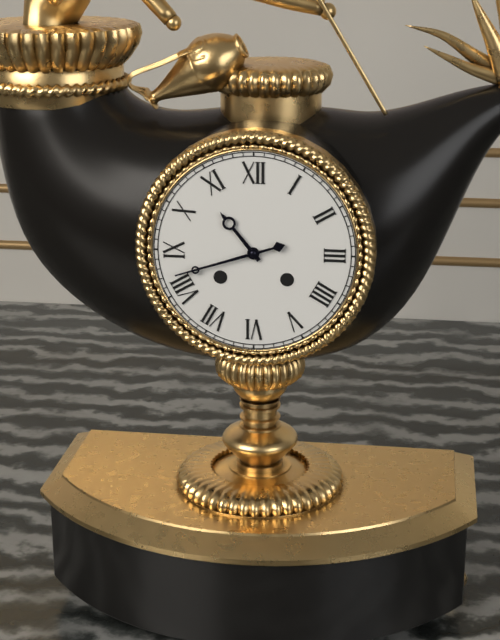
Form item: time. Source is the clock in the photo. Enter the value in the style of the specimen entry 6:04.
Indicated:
10:42
